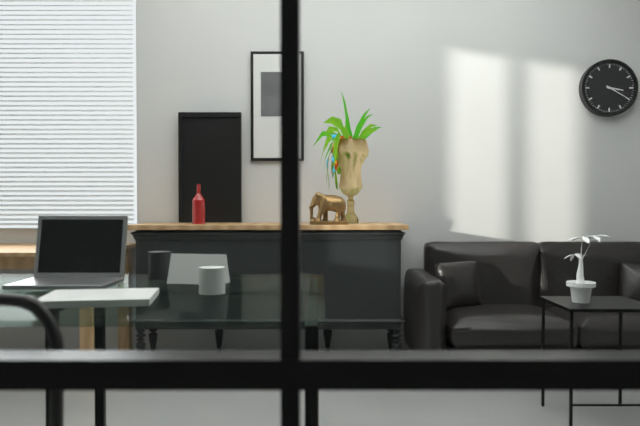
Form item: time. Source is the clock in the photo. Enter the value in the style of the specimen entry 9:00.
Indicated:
3:20
